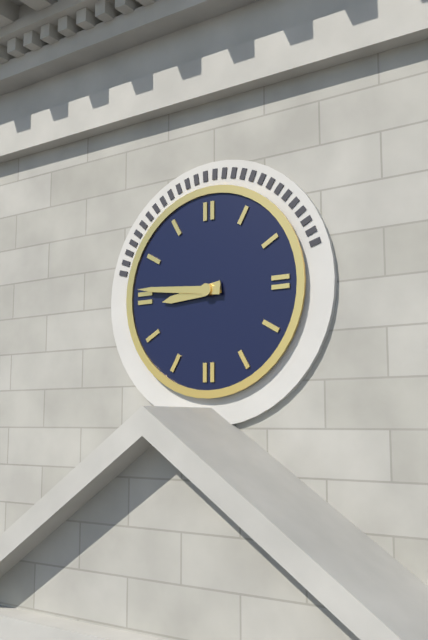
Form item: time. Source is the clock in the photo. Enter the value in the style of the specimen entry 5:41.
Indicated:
8:46
